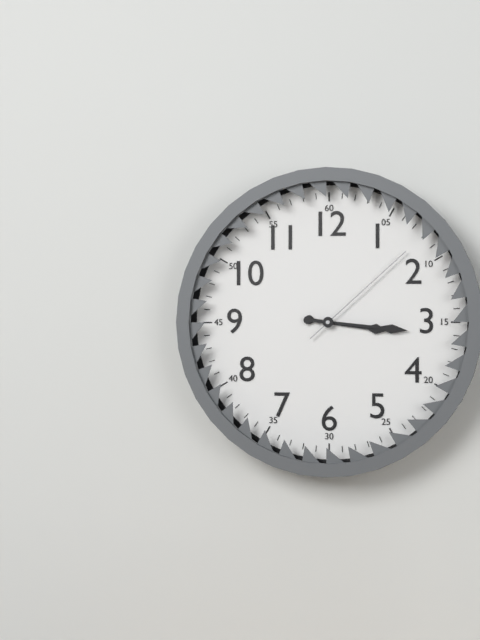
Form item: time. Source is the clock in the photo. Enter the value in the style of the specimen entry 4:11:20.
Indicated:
3:16:08
